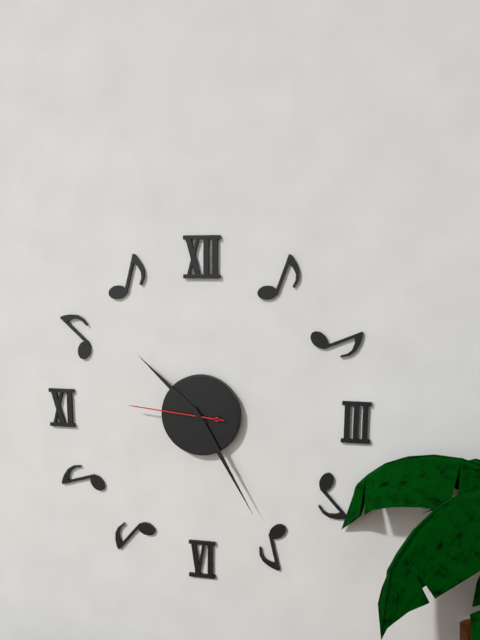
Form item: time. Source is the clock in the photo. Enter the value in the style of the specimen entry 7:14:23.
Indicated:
10:25:46
